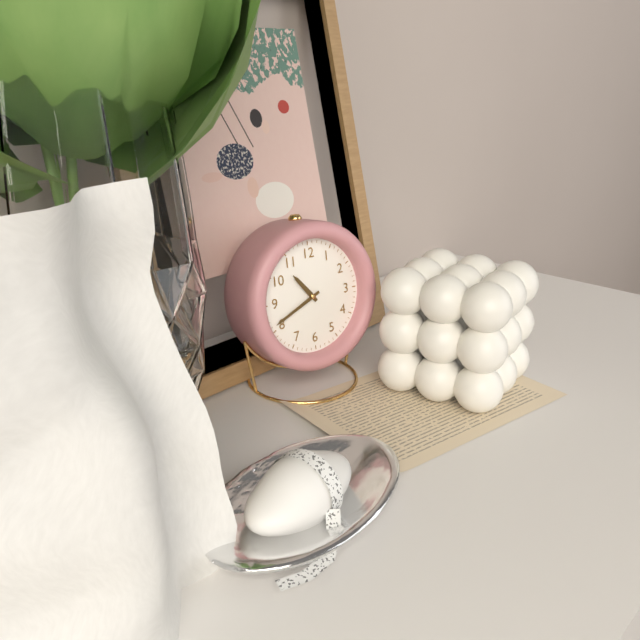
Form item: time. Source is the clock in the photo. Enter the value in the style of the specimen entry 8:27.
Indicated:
10:41
